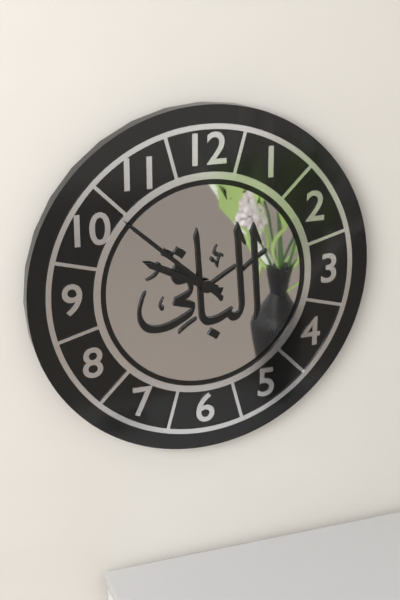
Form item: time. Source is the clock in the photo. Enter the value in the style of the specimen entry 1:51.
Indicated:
9:52
